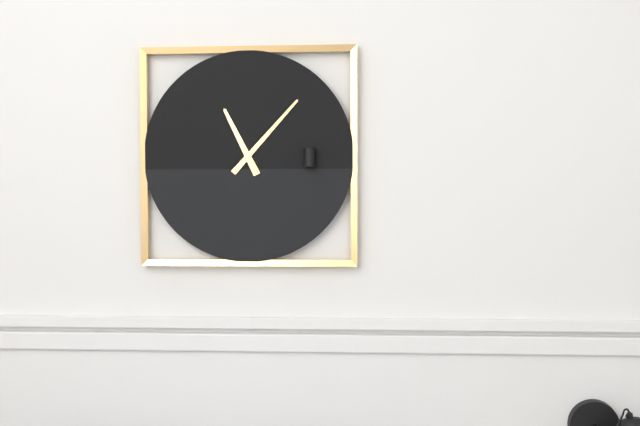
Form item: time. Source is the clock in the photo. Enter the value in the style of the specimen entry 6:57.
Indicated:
11:07
